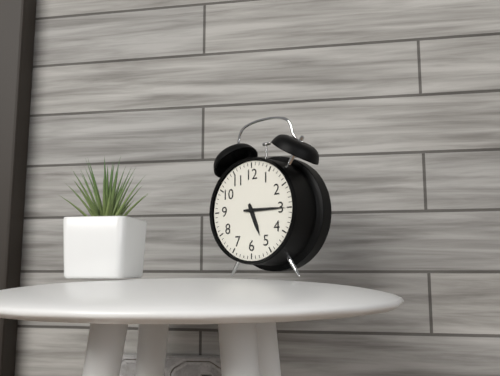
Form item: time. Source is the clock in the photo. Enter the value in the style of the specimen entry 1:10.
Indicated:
5:15
